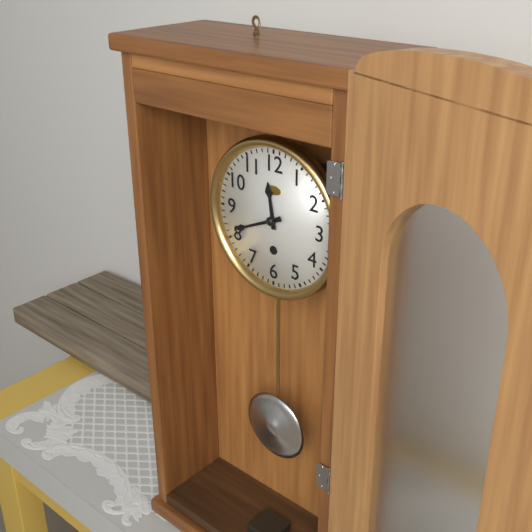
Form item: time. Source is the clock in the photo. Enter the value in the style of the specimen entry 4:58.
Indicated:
11:41
